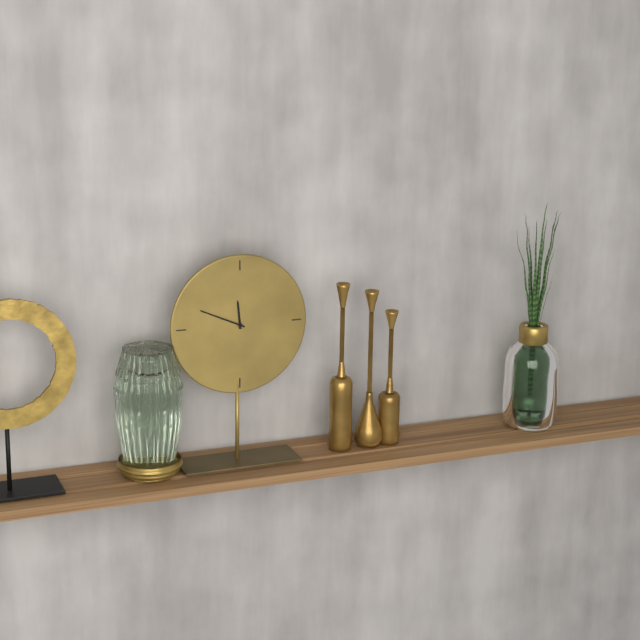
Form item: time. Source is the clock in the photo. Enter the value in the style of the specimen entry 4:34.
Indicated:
11:49
